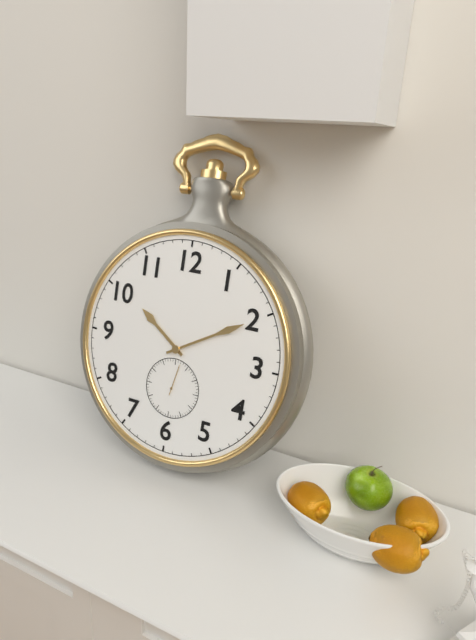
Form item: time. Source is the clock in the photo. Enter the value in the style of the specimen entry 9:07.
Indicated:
10:10
